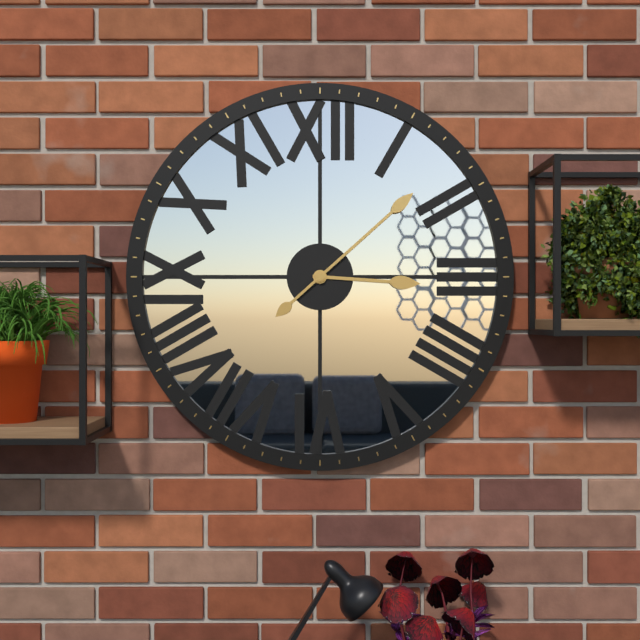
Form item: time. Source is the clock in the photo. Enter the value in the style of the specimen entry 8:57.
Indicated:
3:08
